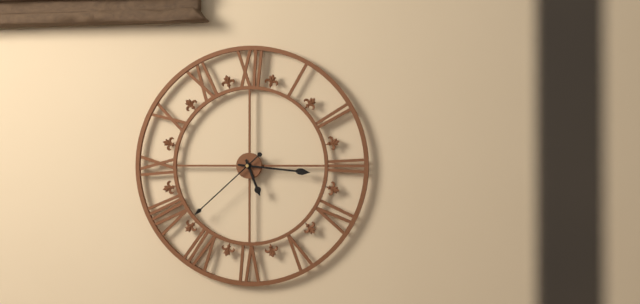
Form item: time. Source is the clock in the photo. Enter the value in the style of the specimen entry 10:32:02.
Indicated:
5:16:38
